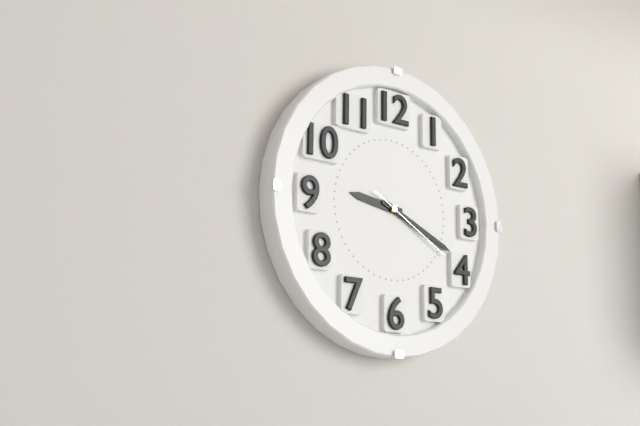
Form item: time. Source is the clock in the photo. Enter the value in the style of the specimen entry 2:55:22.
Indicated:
9:19:20
